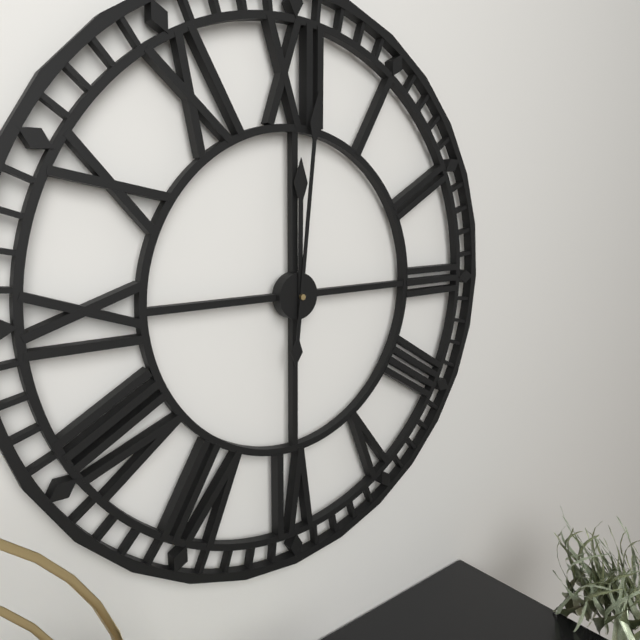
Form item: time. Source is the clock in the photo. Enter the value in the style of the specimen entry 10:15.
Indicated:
12:01
